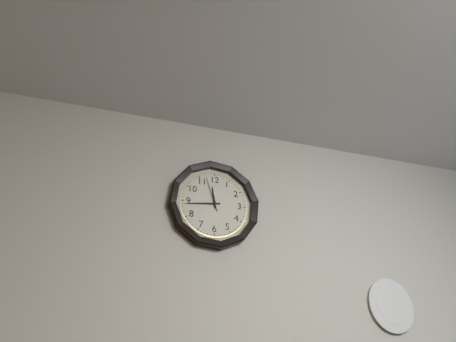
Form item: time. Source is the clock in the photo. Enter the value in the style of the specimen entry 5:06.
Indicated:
11:44
